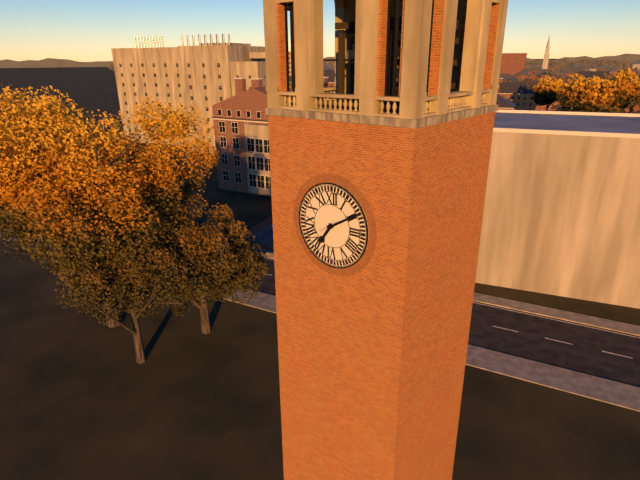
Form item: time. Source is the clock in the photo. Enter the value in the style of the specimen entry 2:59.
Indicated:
7:10
